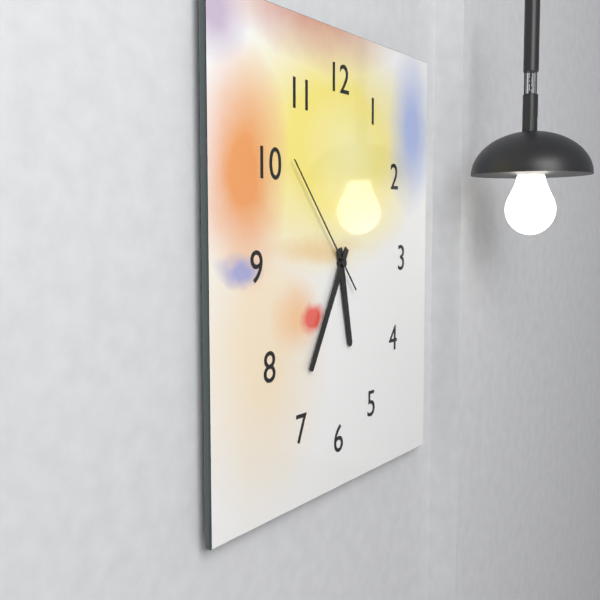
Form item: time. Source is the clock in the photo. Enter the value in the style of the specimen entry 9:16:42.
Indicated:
5:35:53
